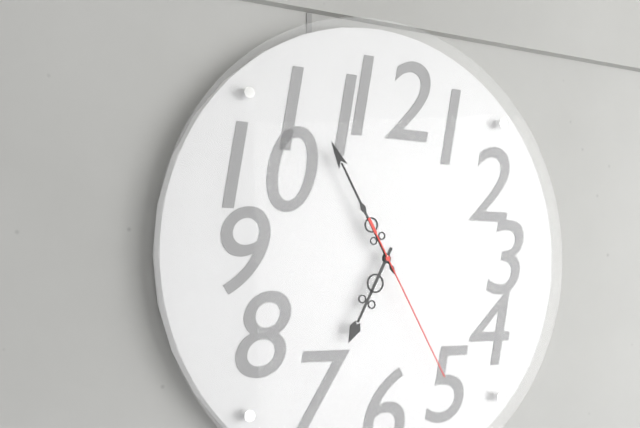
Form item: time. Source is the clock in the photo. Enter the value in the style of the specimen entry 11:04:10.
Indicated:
6:55:25
